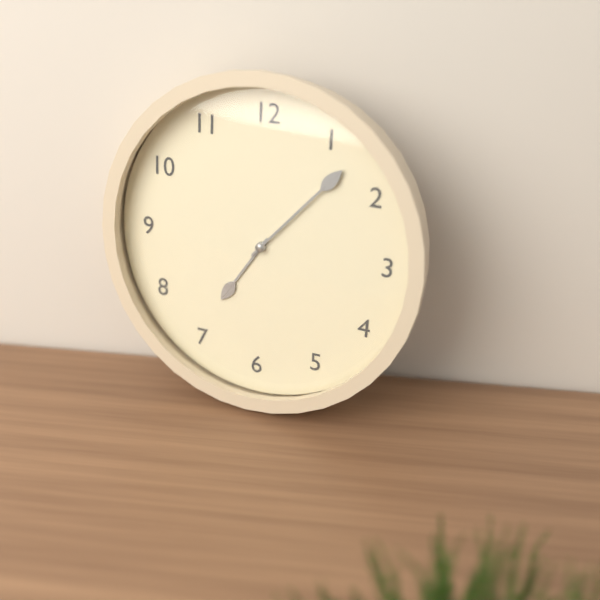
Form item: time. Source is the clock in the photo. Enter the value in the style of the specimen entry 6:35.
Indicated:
7:07
